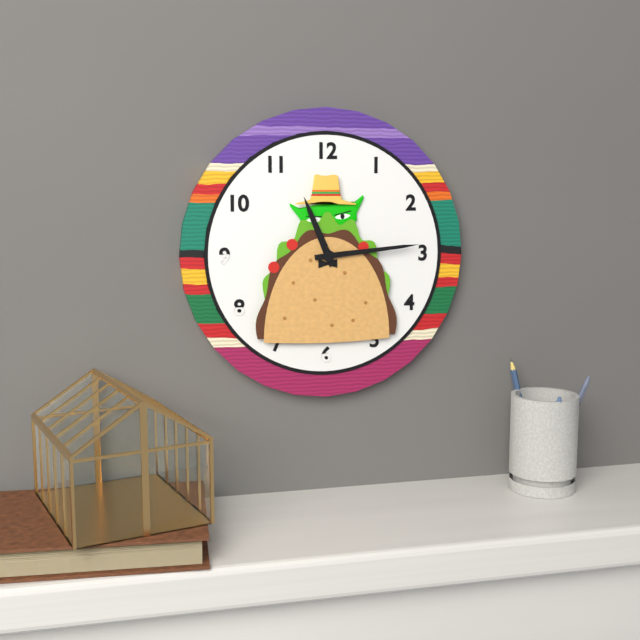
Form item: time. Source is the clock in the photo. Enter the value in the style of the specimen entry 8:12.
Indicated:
11:14
